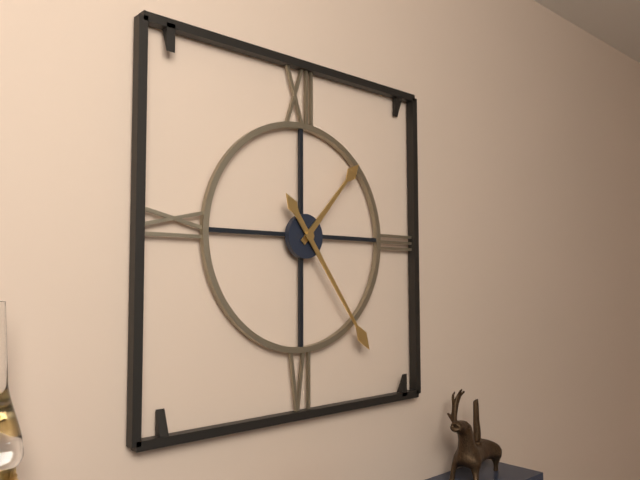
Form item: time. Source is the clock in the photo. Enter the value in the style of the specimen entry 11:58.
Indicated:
1:24
